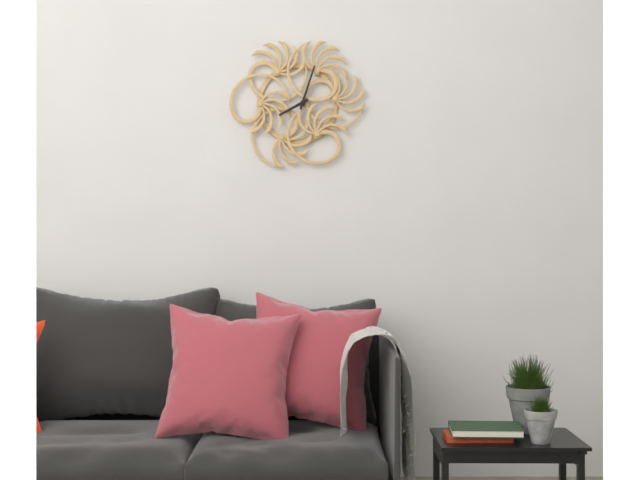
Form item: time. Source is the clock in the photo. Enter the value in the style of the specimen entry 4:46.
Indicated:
8:03
